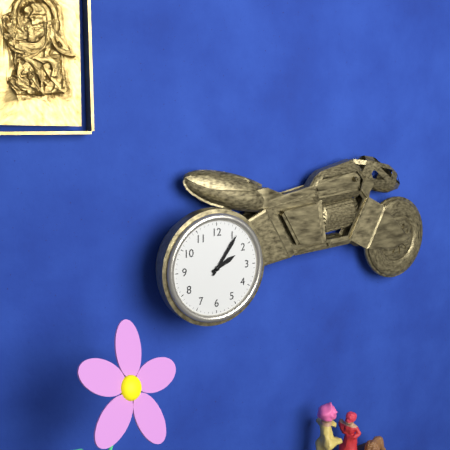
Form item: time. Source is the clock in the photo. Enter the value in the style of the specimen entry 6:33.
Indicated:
2:06
